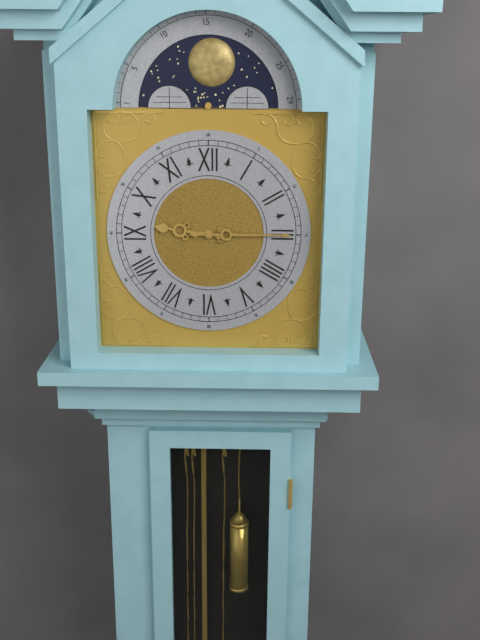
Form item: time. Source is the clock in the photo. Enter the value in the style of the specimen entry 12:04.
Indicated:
9:15
